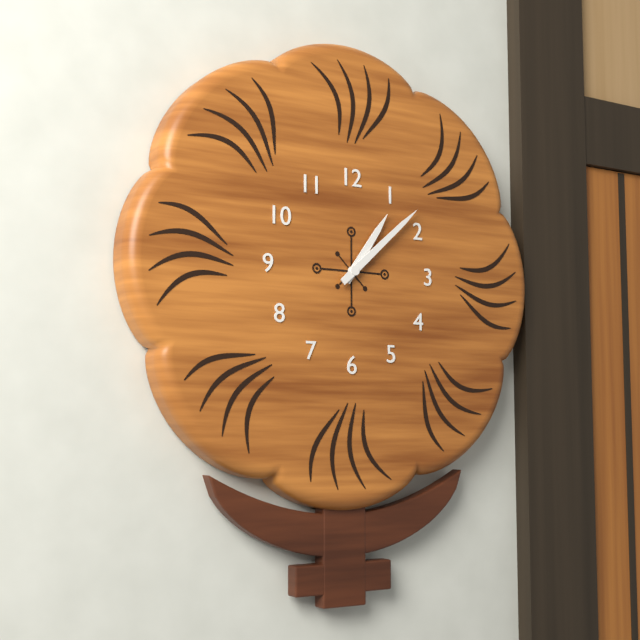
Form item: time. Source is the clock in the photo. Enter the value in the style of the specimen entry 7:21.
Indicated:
1:08
